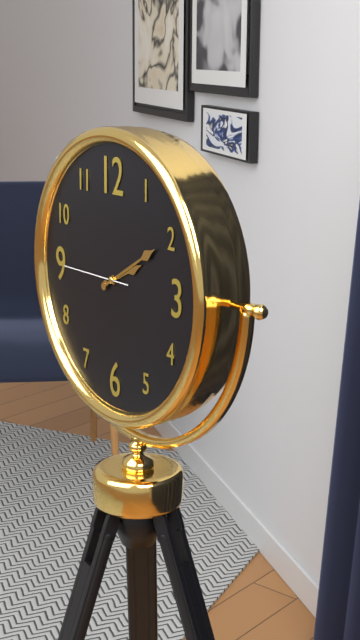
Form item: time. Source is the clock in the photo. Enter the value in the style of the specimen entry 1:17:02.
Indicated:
2:10:45
